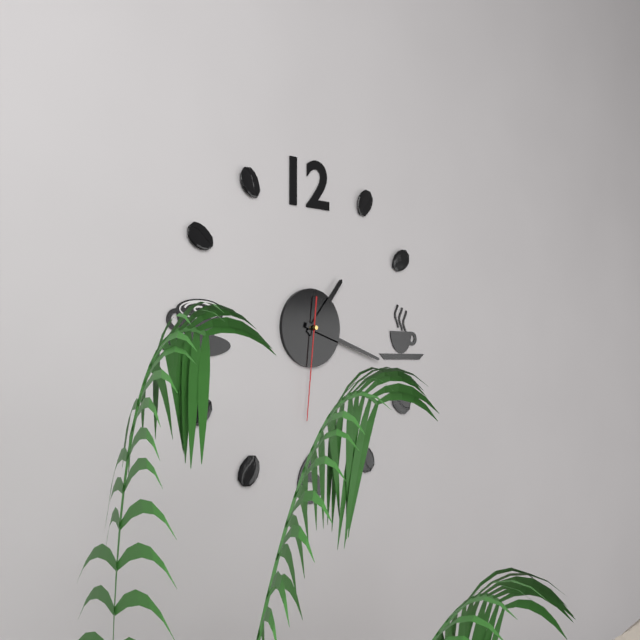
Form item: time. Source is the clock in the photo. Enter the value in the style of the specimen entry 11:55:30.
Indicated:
1:18:31
